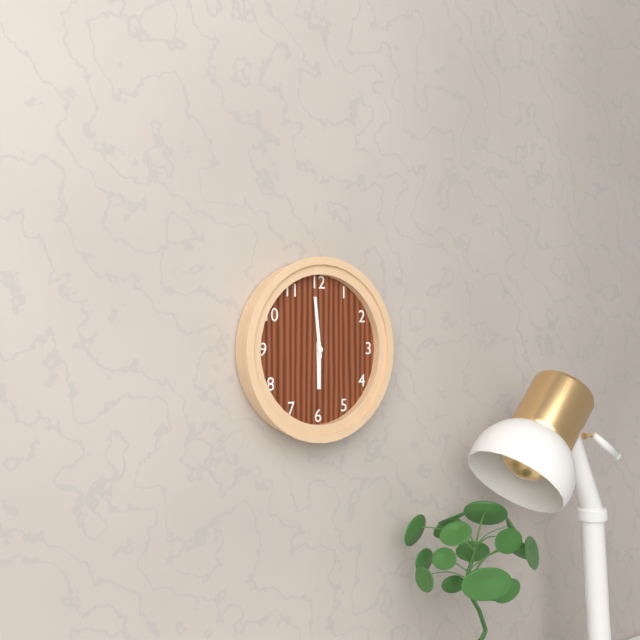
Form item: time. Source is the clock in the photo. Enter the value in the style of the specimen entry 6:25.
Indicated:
5:59
